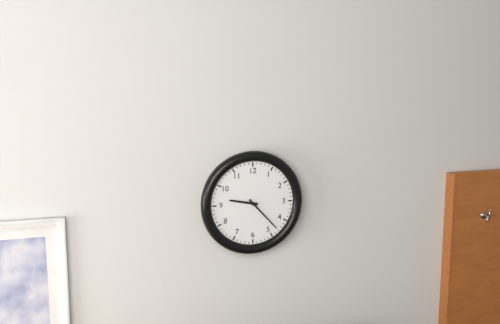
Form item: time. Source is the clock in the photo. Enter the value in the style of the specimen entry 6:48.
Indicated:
9:23
